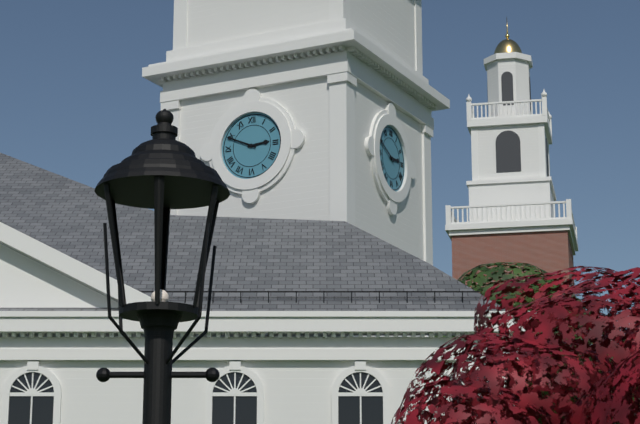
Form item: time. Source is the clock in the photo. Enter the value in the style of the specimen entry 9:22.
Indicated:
2:49
